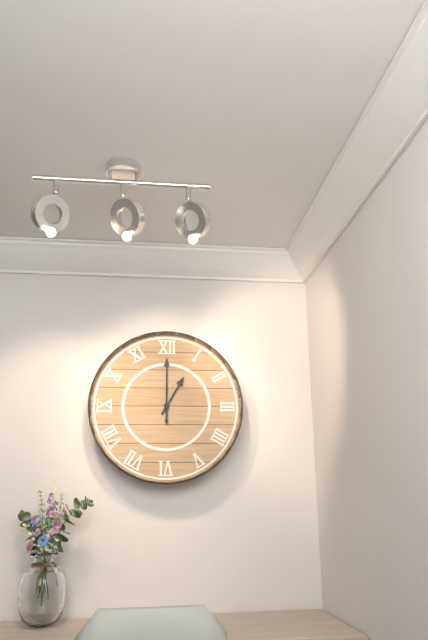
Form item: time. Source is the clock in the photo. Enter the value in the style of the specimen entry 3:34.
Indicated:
1:00
